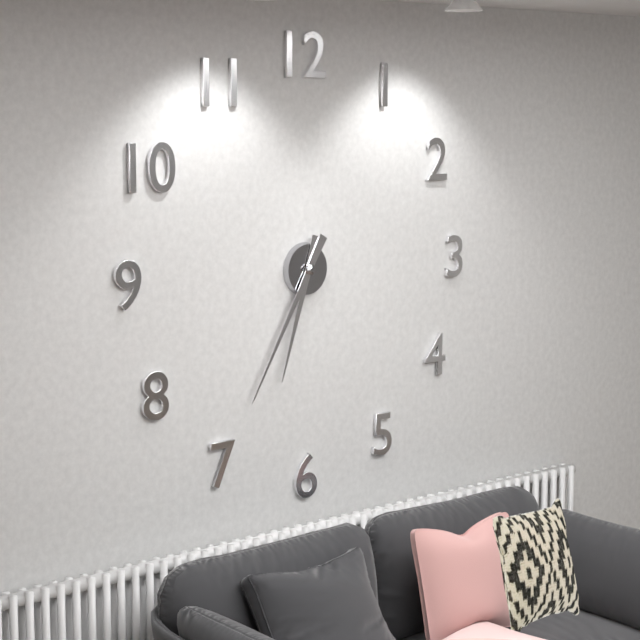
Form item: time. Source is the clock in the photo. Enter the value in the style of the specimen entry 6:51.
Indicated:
6:35
